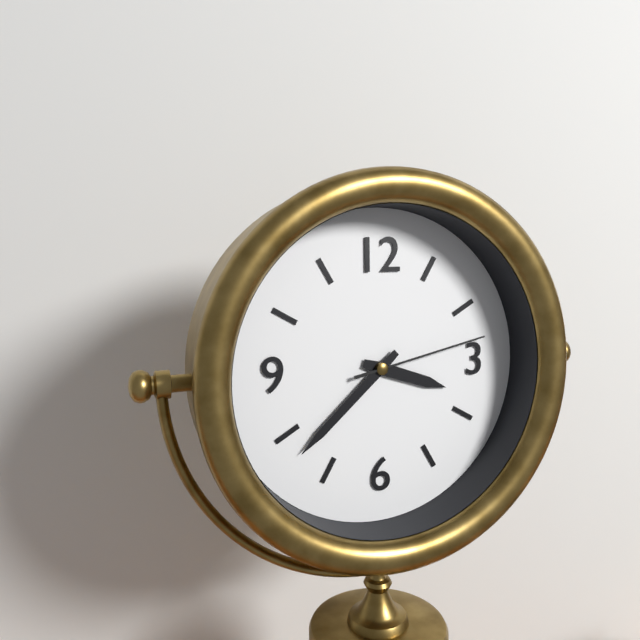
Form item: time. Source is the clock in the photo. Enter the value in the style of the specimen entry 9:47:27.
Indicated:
3:38:13
